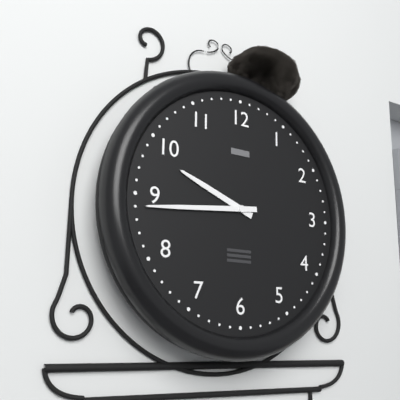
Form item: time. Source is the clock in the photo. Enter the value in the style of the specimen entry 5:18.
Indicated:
9:44
